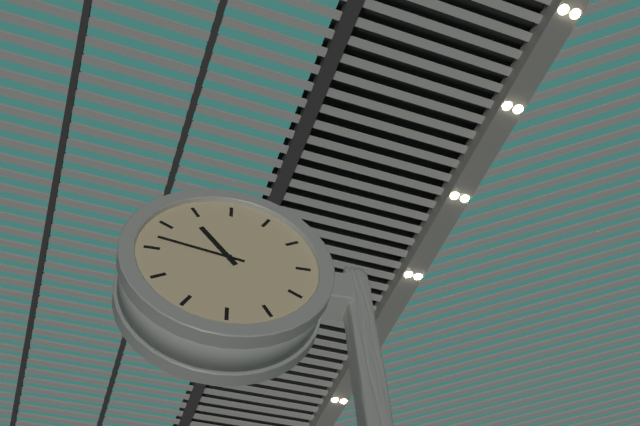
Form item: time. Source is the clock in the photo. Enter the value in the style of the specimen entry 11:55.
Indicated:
10:47
